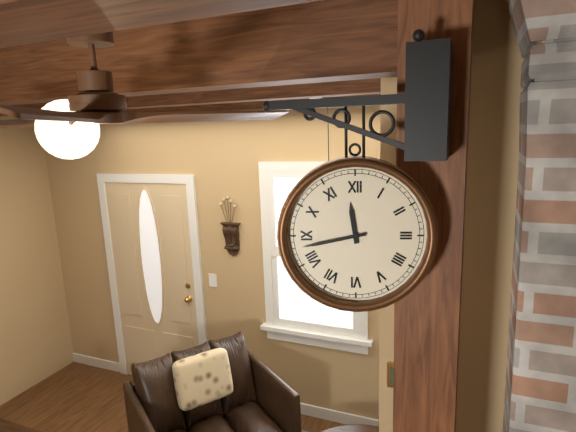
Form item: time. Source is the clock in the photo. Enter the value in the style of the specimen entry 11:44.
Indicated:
11:43
